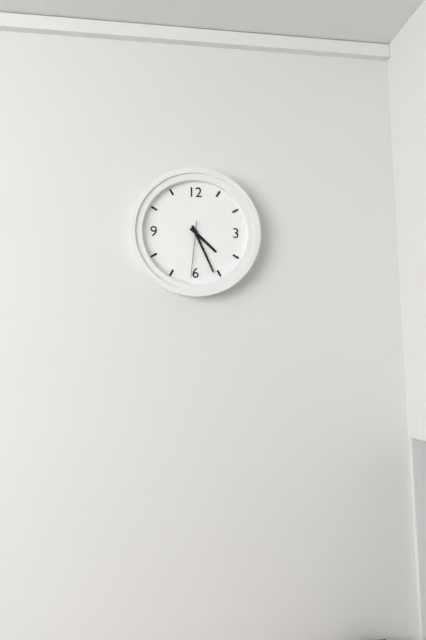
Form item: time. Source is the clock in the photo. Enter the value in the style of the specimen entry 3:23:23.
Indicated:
4:26:31
